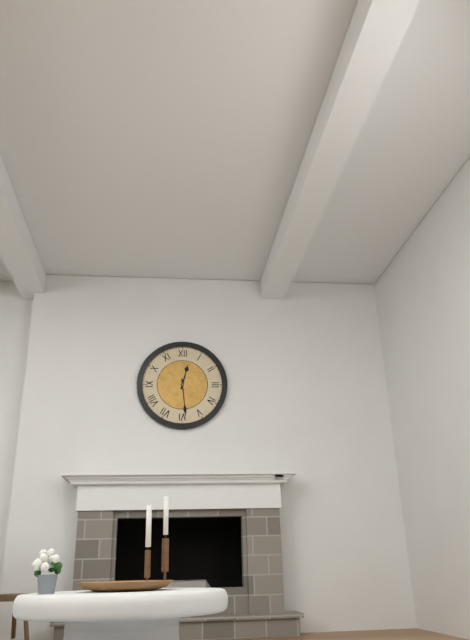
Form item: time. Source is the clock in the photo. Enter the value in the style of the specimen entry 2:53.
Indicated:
12:29
